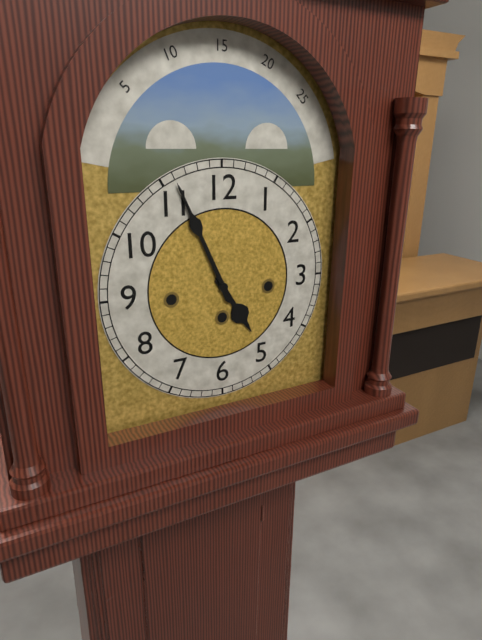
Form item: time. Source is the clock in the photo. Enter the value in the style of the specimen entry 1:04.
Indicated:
4:56
